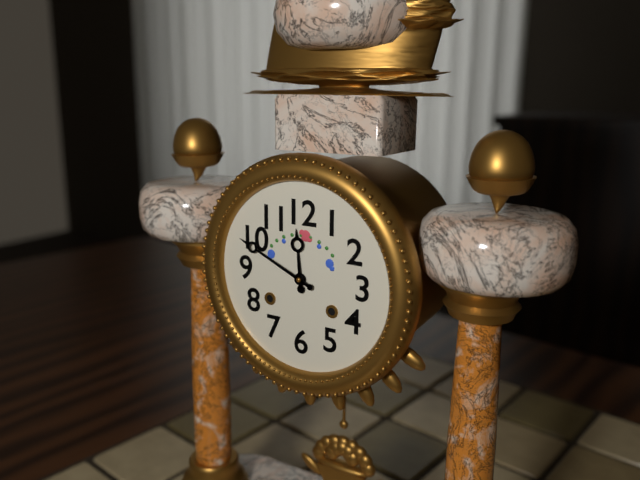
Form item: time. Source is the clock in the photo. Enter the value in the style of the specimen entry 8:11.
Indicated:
11:49
